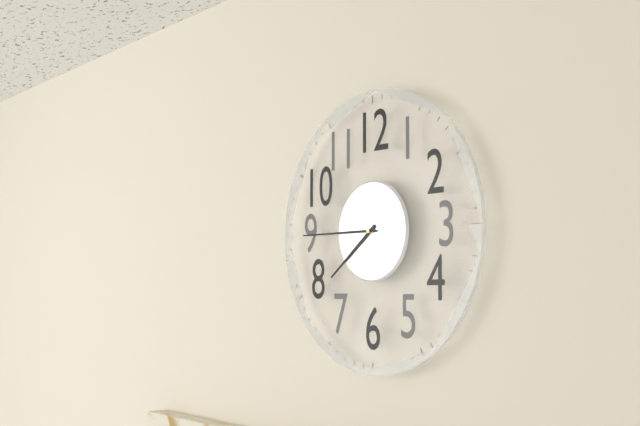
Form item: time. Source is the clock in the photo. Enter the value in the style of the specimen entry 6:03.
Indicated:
7:45
